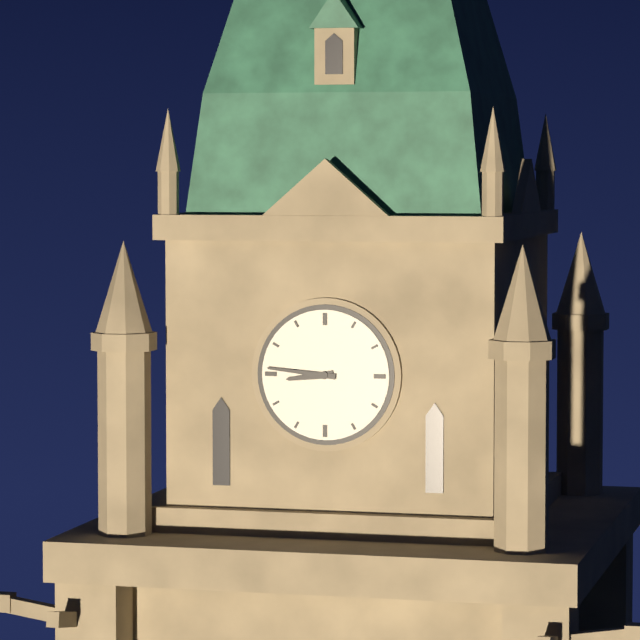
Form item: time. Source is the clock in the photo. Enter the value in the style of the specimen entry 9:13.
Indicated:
8:46
